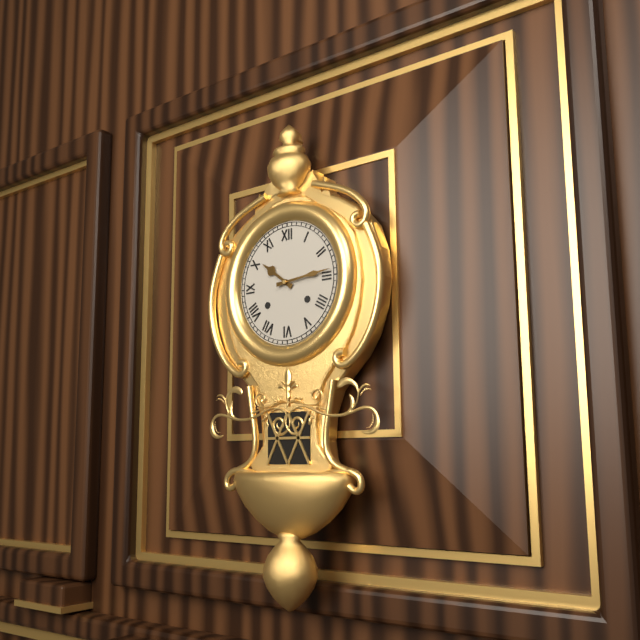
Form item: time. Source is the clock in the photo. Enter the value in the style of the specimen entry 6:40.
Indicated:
10:14
